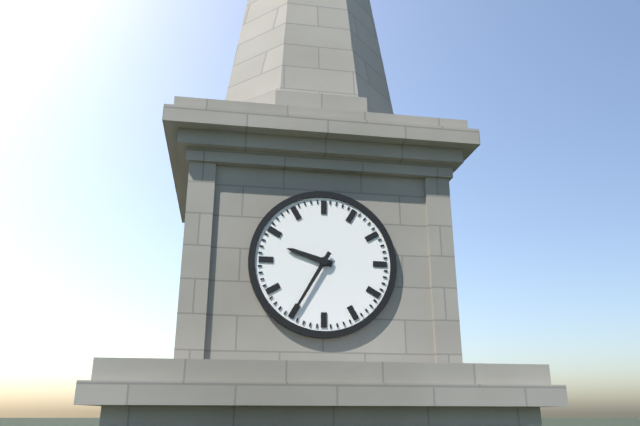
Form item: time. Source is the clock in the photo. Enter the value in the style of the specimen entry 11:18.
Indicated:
9:35
